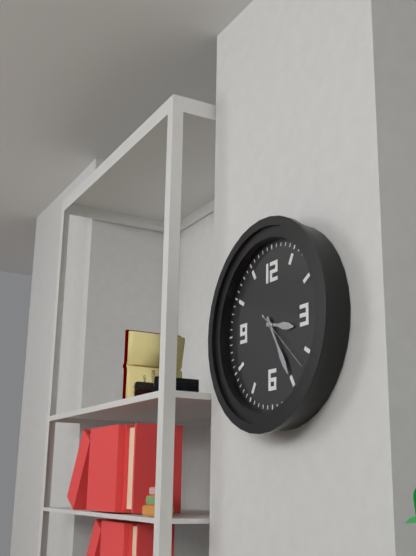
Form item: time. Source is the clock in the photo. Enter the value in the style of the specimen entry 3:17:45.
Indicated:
3:25:22
